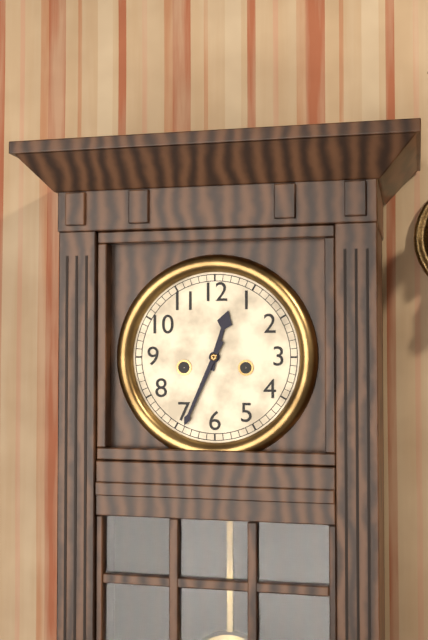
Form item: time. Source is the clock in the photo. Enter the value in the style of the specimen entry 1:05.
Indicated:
12:34
